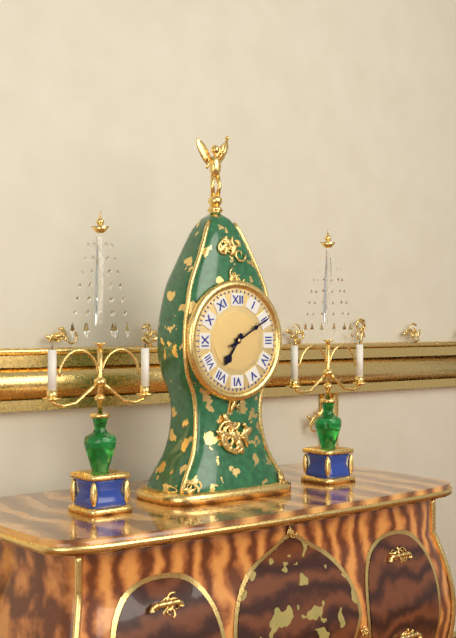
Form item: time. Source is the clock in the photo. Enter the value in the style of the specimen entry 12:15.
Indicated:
7:10
